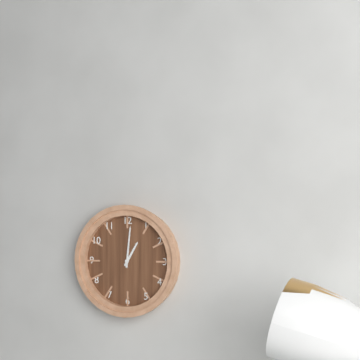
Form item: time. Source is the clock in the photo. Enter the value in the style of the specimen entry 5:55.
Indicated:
1:01
